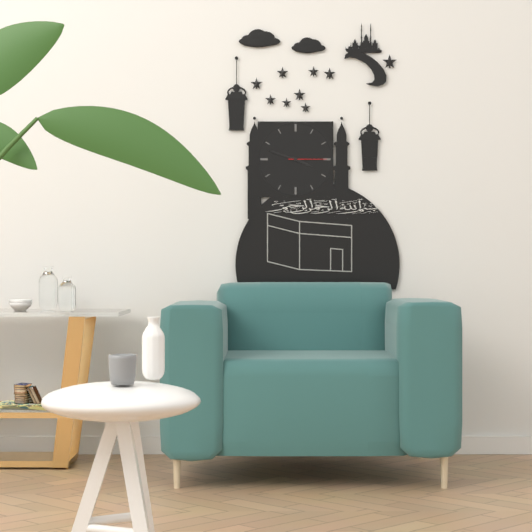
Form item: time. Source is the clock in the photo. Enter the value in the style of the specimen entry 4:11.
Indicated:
3:48
